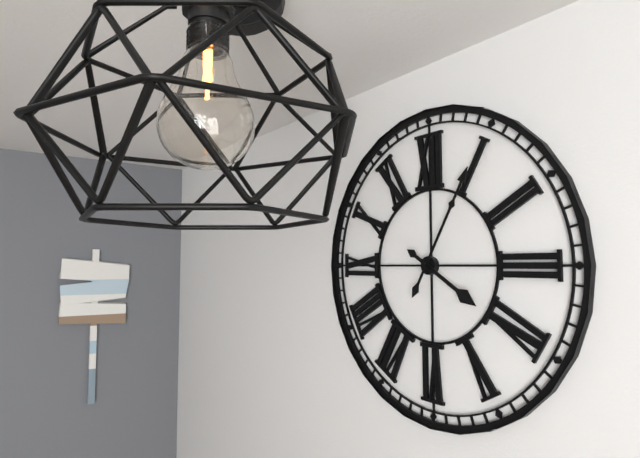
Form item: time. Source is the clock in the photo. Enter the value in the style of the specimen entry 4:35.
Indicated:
4:05
